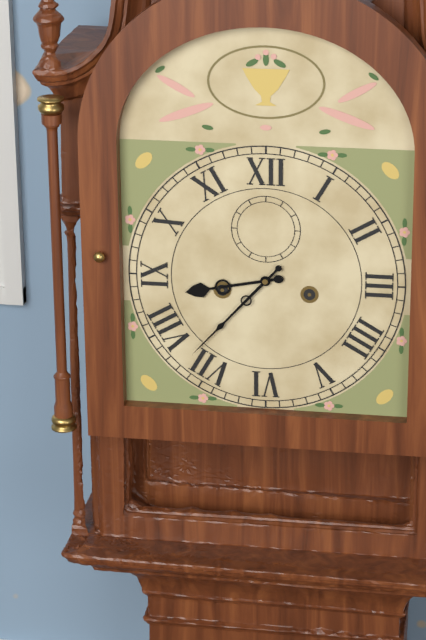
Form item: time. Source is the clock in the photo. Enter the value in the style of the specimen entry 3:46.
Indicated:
8:37
